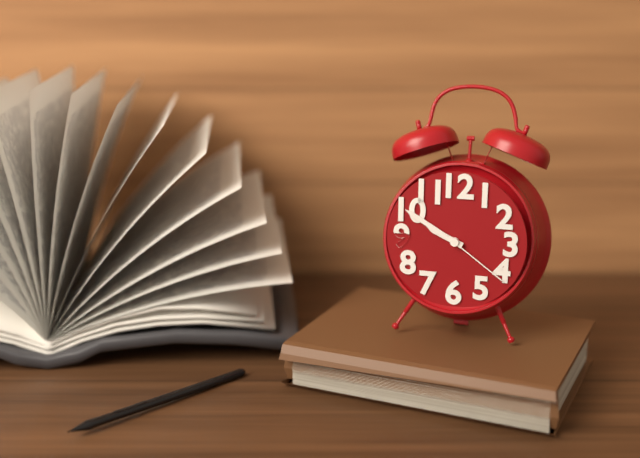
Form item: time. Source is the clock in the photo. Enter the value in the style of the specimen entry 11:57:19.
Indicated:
9:50:21
